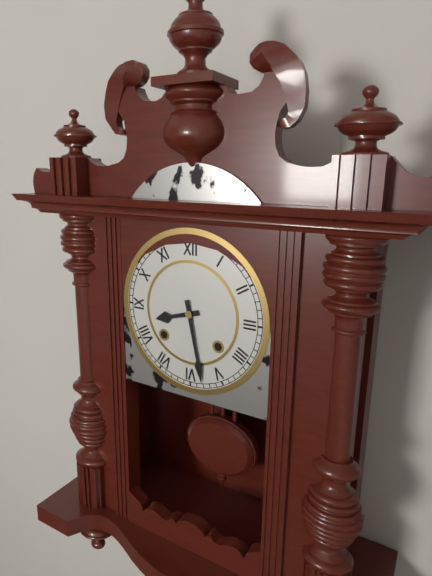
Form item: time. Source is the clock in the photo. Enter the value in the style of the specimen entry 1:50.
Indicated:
8:28
